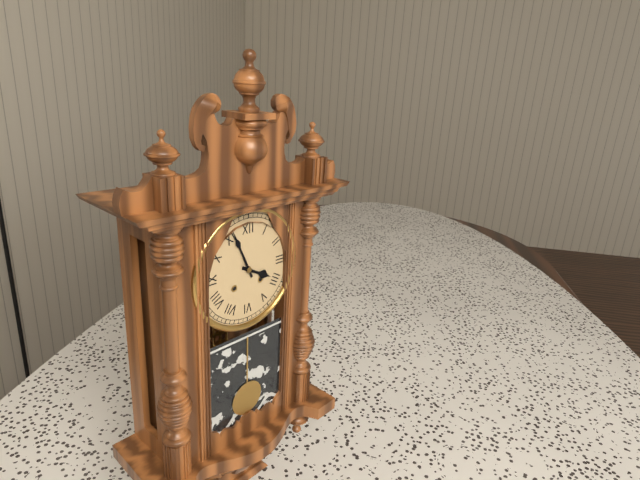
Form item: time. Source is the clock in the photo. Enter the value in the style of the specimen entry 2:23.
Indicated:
3:56
